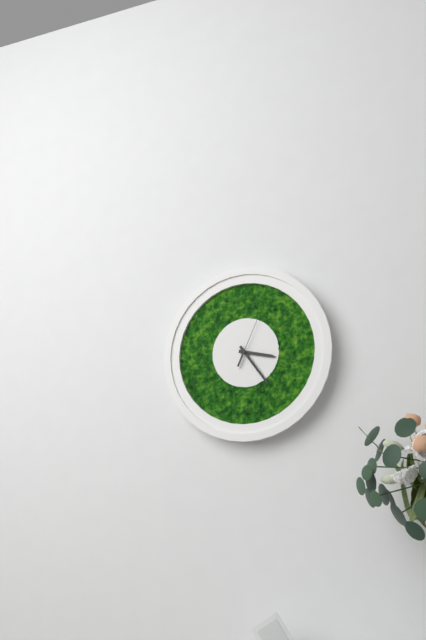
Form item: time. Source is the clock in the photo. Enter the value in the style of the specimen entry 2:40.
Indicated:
3:24
